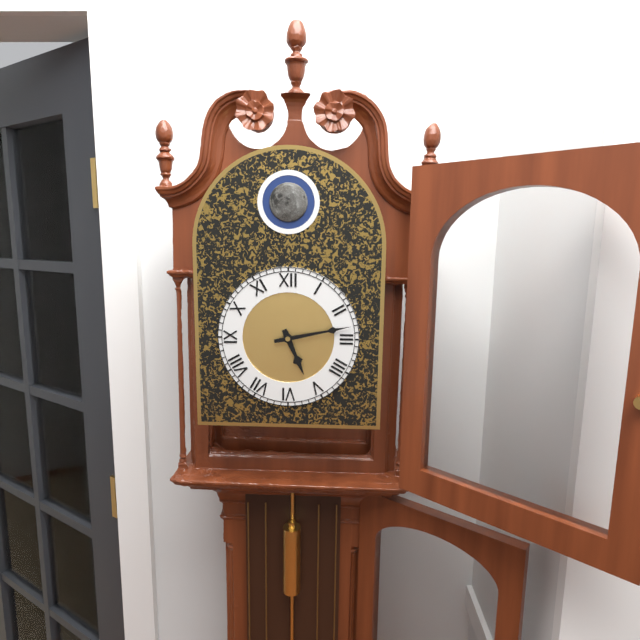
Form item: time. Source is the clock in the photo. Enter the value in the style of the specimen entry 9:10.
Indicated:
5:13
